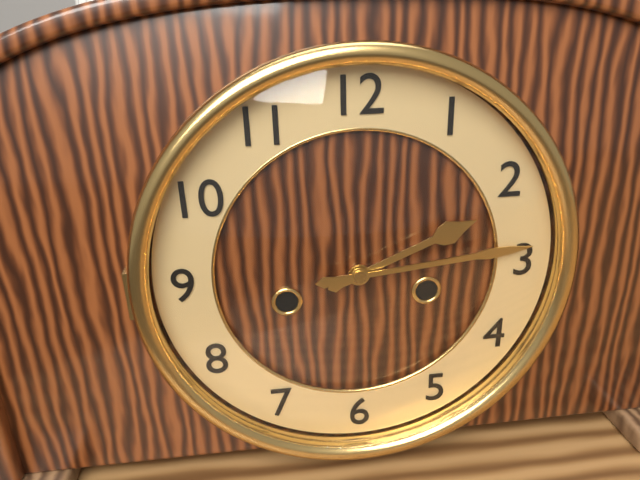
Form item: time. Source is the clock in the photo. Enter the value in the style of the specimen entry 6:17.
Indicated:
2:14
